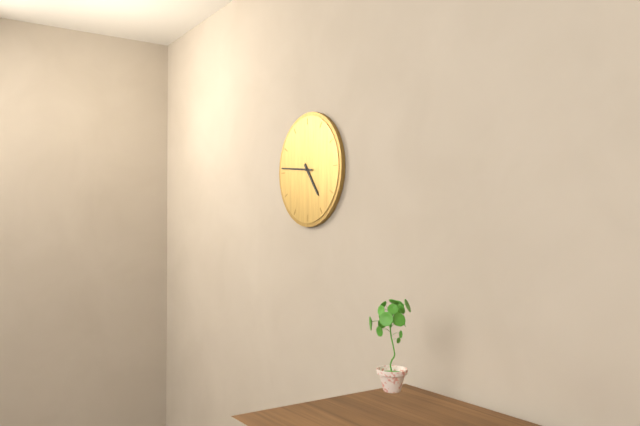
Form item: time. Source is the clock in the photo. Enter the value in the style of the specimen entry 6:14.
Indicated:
4:46
